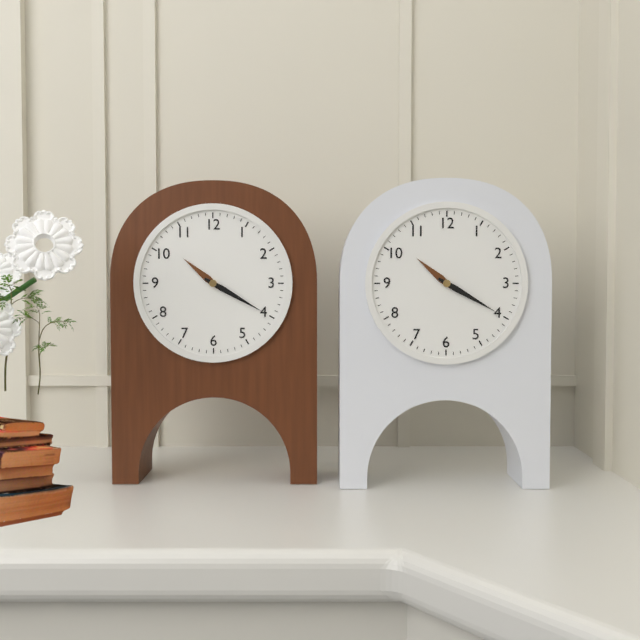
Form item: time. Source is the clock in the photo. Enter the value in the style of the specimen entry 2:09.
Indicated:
10:20
